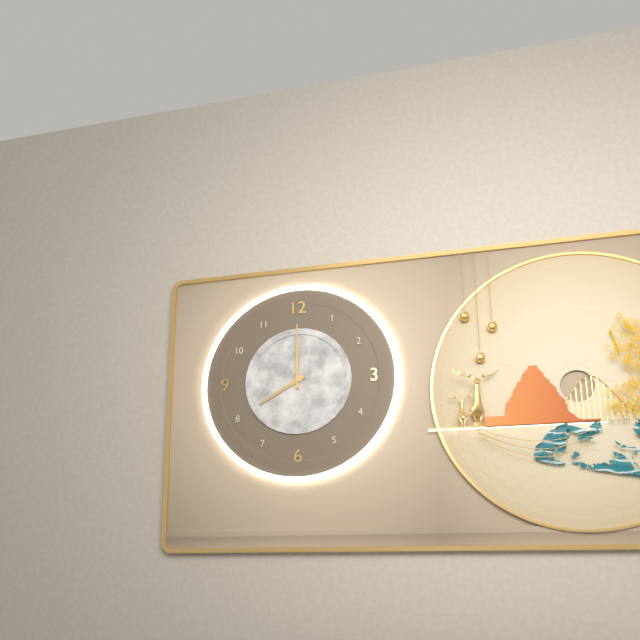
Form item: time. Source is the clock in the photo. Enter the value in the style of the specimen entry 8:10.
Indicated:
8:00
